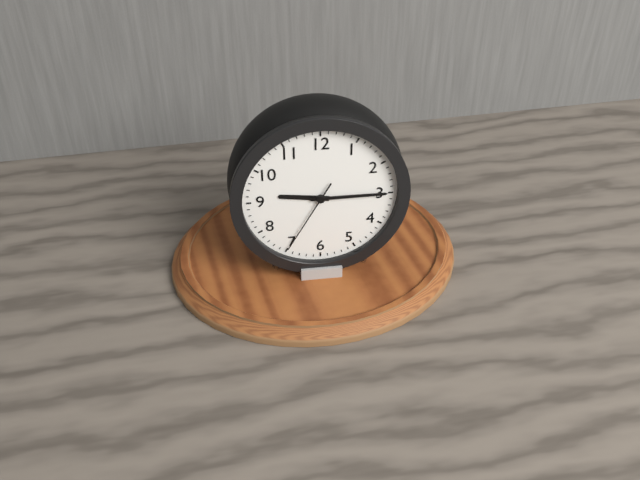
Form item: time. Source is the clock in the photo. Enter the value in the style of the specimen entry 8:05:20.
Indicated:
9:15:35
